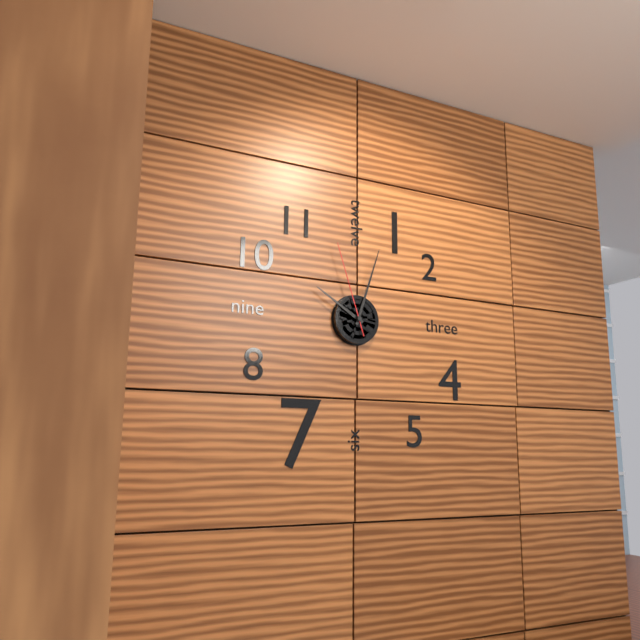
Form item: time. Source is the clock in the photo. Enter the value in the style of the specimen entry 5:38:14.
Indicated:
10:03:57
